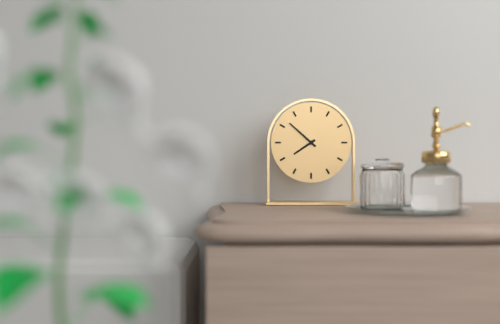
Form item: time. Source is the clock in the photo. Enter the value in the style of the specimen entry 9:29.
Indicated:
7:52
